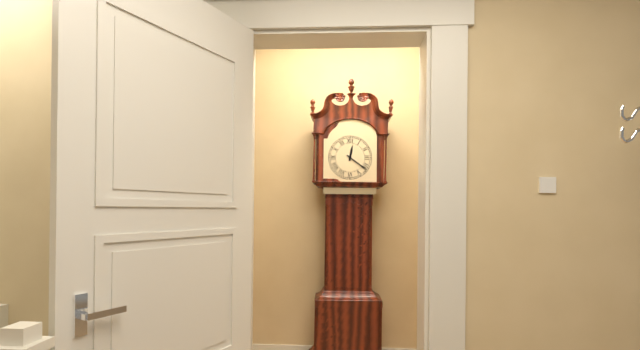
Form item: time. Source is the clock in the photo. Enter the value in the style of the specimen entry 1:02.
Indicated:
12:21
